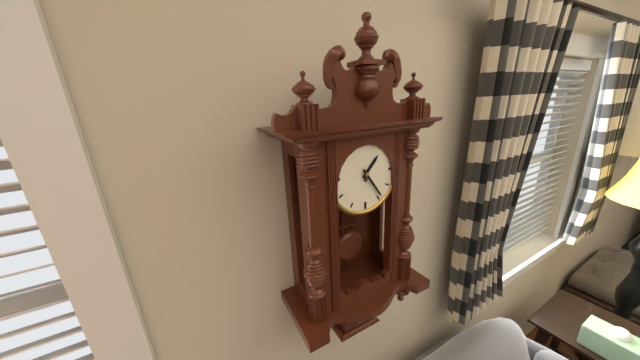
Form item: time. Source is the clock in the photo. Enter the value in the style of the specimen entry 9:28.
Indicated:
1:24
